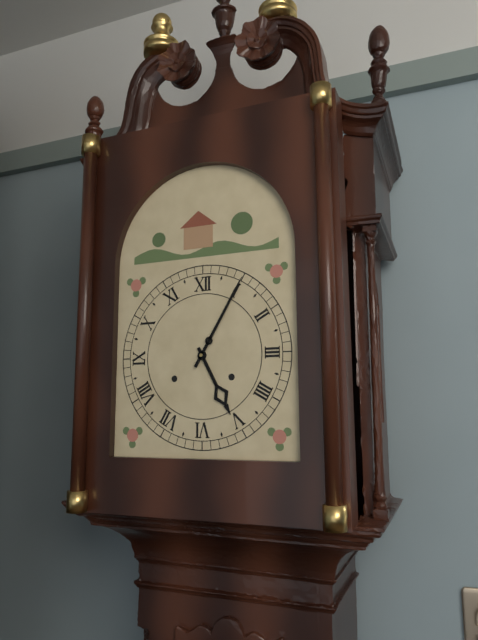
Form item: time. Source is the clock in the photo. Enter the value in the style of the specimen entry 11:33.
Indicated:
5:05
